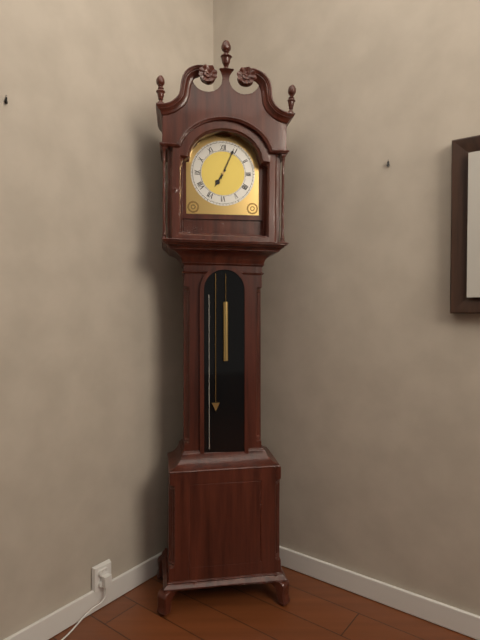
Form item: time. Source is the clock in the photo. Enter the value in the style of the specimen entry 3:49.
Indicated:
7:04
